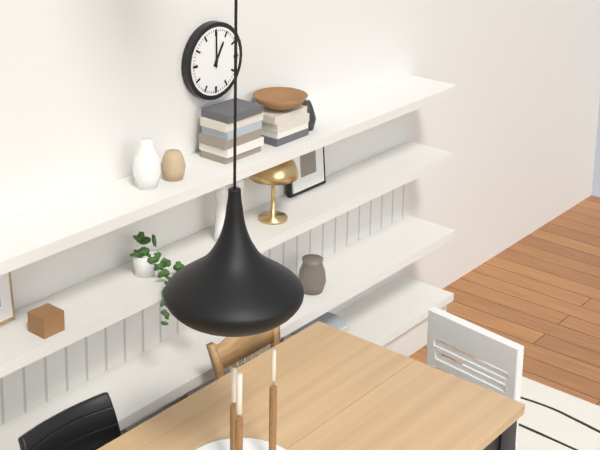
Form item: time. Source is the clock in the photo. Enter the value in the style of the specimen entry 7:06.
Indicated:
1:00
